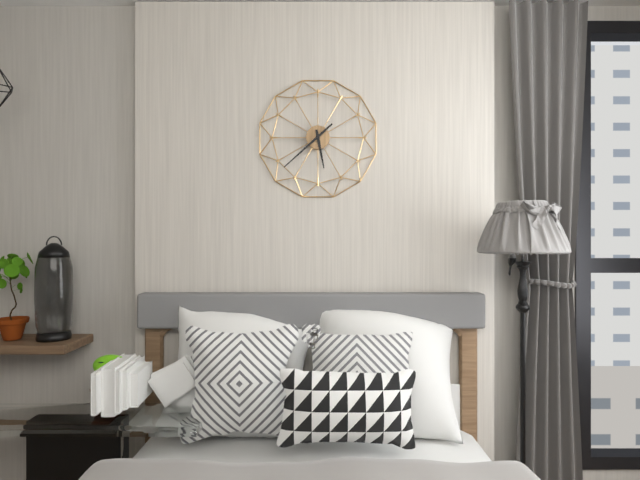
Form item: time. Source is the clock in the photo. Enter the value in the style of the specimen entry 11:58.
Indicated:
5:38
